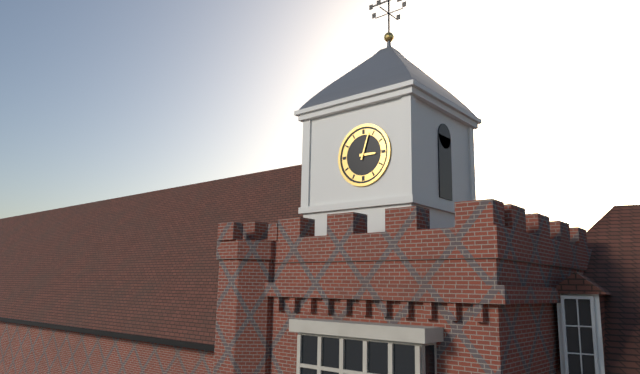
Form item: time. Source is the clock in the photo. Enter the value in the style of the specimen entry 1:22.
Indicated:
3:03
